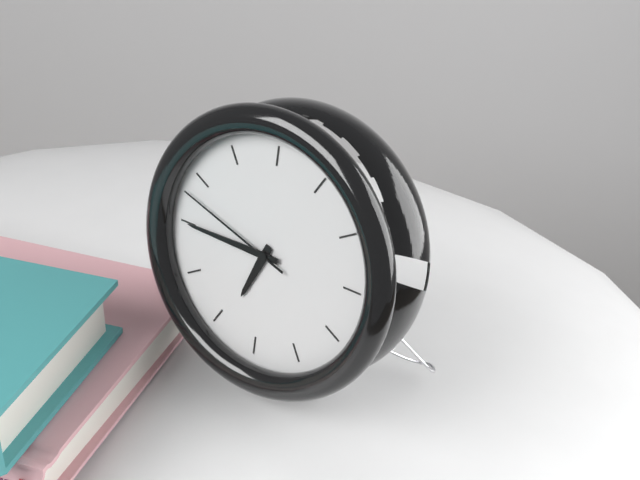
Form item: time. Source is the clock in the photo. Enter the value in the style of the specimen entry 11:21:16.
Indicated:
6:45:48
